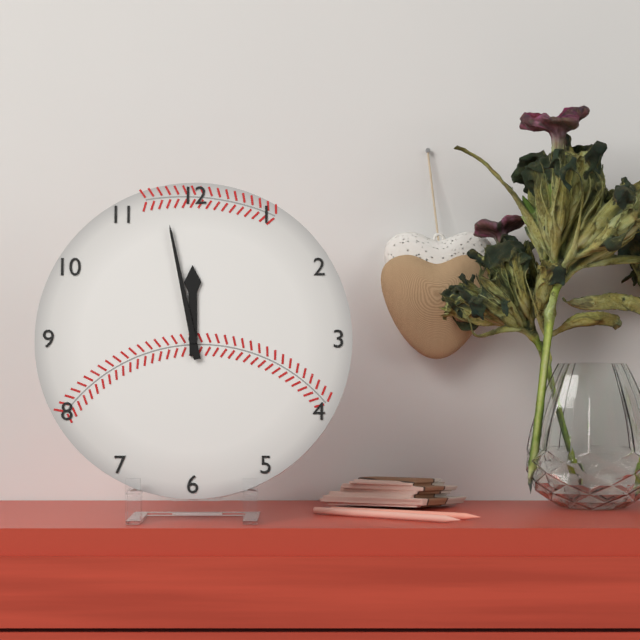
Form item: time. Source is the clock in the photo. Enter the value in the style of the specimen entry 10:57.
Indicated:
11:58
